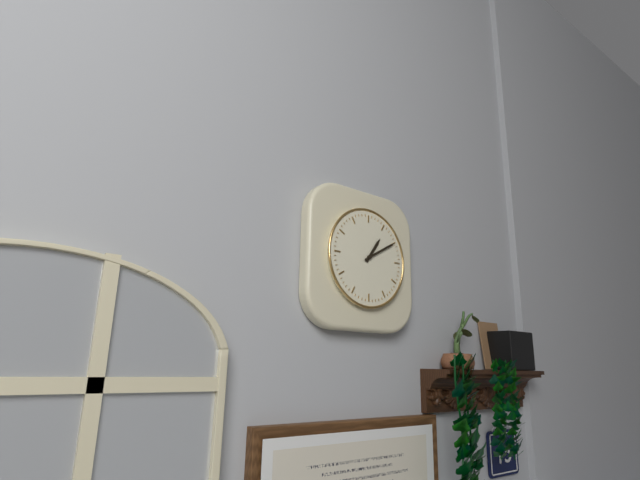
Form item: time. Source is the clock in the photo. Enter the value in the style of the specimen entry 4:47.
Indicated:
1:10
